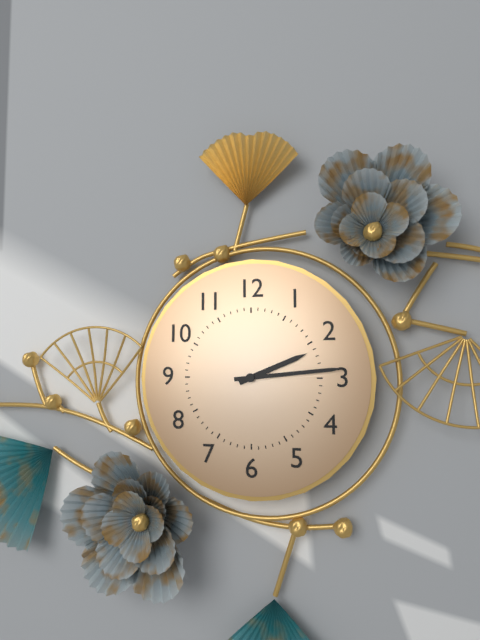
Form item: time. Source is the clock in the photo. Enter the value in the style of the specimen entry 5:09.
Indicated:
2:14
